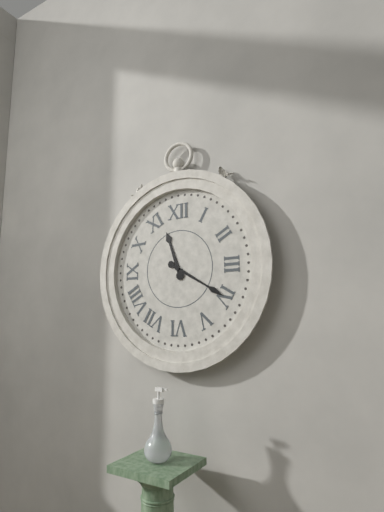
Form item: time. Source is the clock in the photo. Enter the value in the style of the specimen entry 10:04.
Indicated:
11:20
